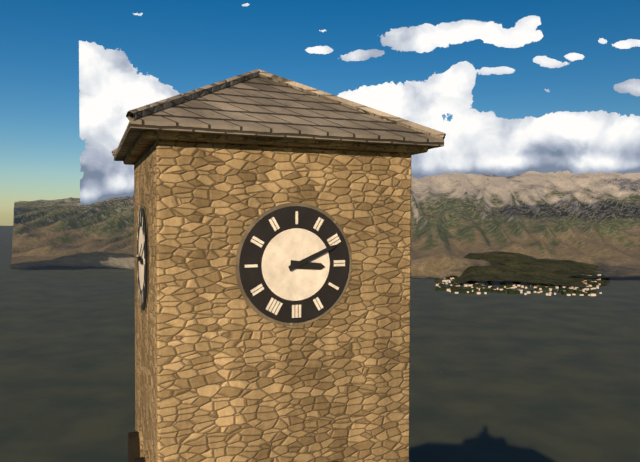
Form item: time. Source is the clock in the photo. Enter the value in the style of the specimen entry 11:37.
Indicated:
3:11
